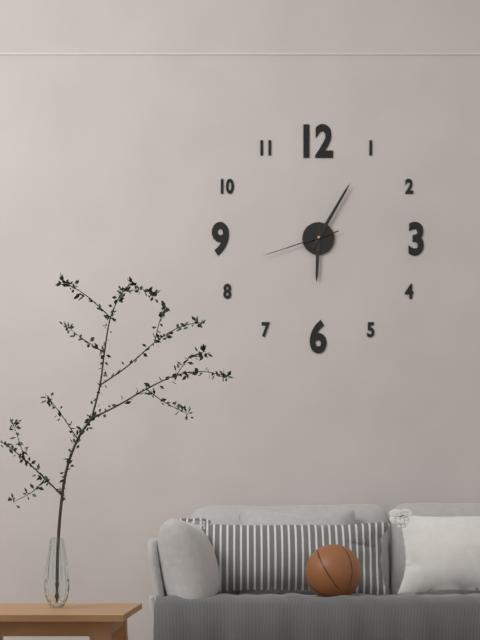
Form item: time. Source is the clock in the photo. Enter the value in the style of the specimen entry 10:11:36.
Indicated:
6:05:42
